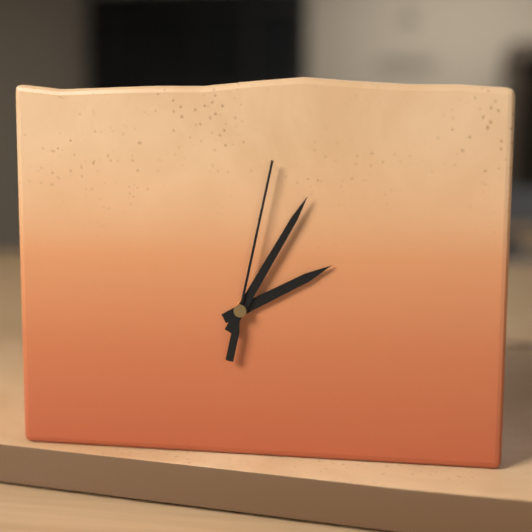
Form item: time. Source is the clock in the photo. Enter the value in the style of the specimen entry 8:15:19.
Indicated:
2:05:02
